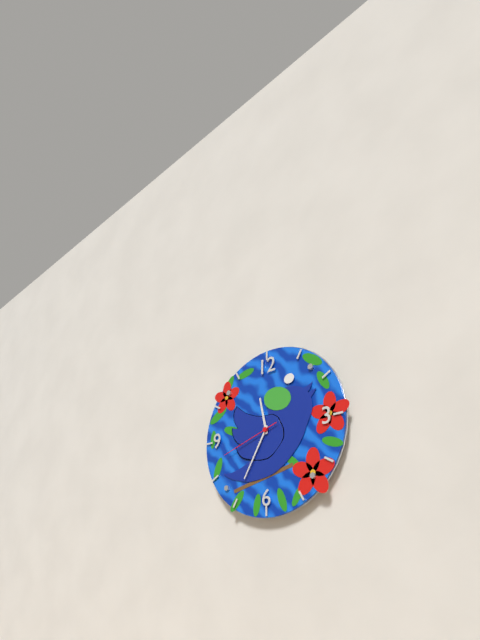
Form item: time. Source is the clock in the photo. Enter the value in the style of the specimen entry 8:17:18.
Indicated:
11:35:42
